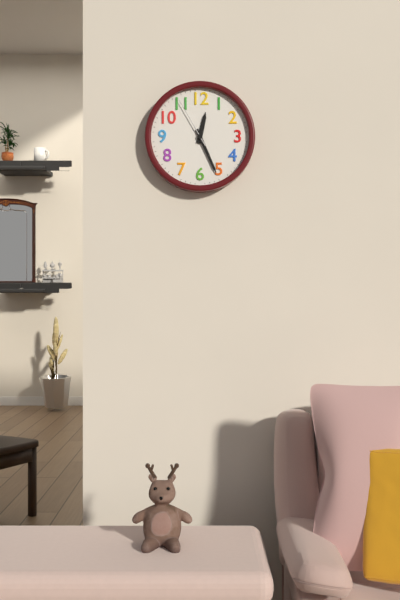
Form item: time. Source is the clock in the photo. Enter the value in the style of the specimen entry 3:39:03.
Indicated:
12:26:55
